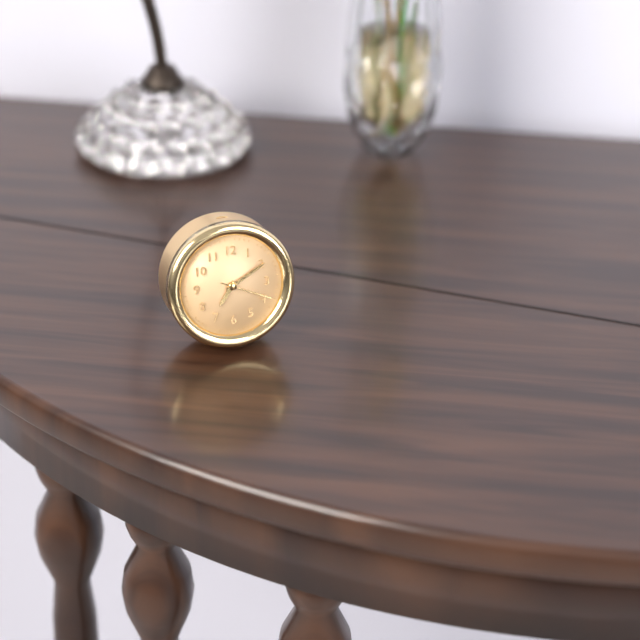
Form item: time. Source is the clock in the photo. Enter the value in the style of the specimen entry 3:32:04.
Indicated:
7:10:19
